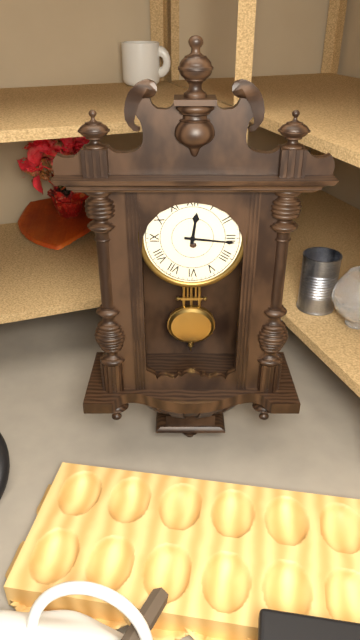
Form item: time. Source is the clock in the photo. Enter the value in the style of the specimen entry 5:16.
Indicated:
12:16
